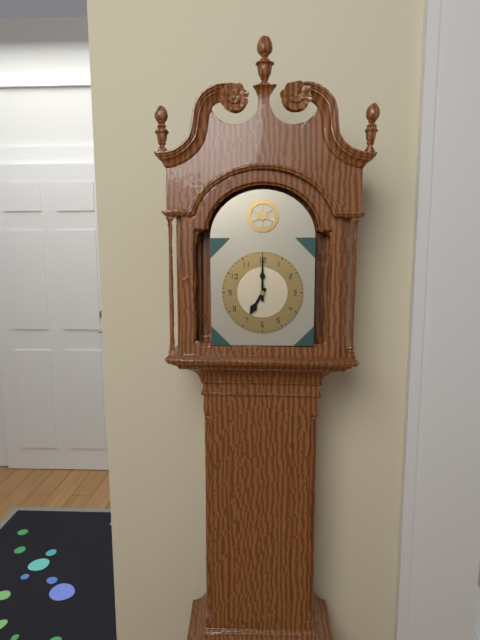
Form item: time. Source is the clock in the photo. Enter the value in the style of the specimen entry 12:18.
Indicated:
7:00
